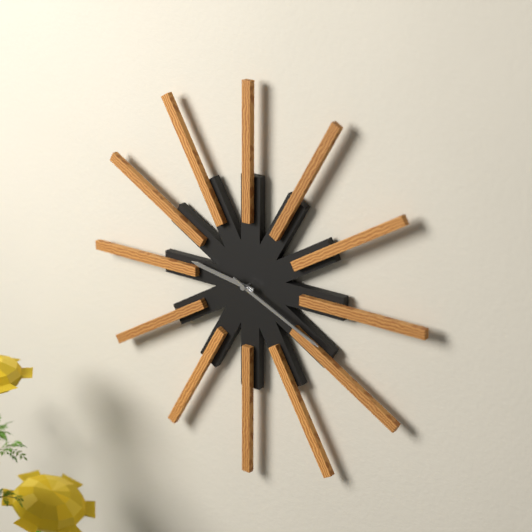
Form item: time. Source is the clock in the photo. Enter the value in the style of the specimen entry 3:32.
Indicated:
9:19
